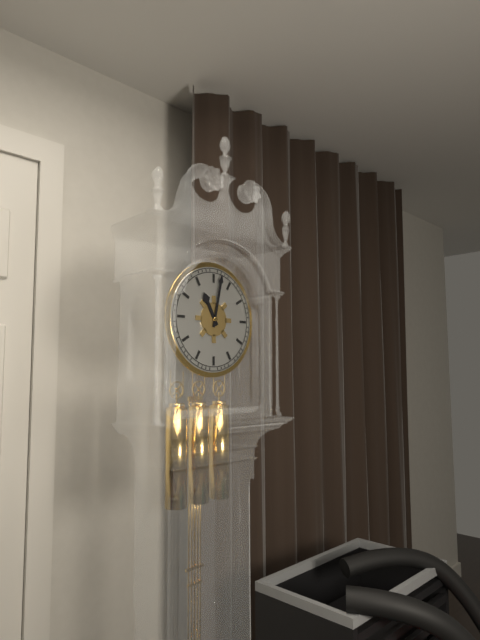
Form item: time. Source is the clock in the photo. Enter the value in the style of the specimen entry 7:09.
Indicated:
11:02
